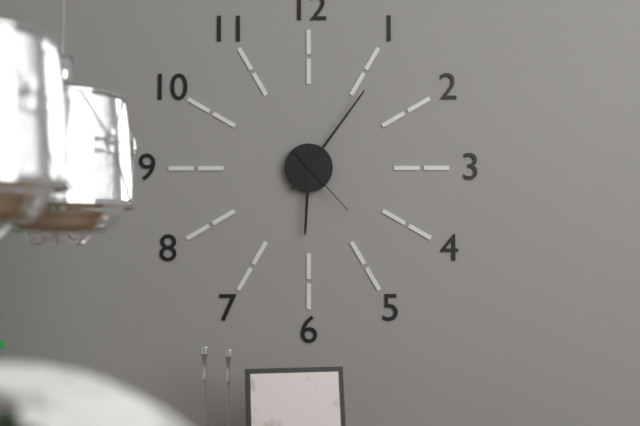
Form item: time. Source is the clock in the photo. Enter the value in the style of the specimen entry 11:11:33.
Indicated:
6:06:23
